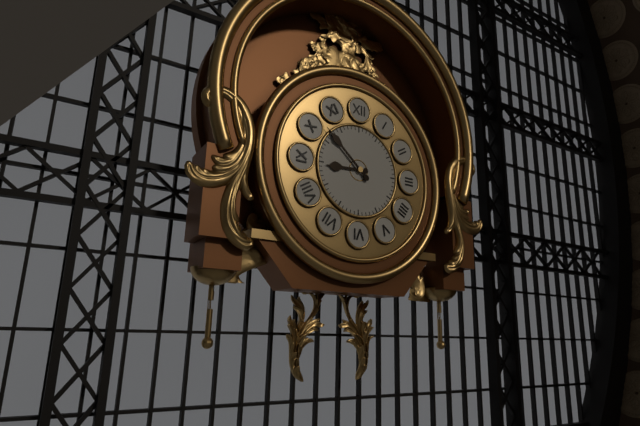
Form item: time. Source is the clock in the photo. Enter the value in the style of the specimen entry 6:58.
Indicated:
8:52
